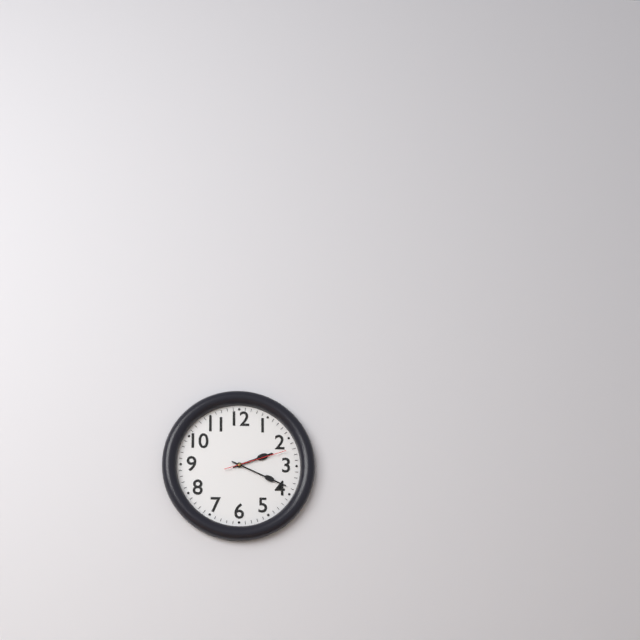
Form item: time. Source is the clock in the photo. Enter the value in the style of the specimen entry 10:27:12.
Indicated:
2:19:12
